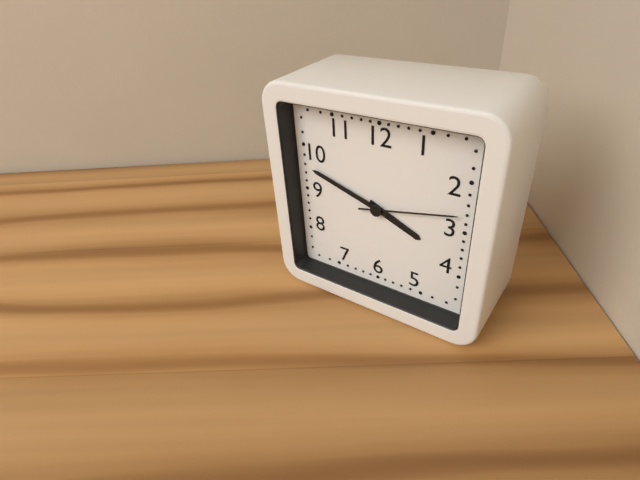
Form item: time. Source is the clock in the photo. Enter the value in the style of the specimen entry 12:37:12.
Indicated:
3:48:13
